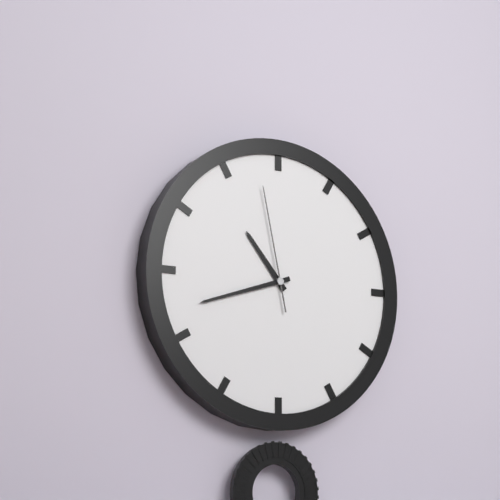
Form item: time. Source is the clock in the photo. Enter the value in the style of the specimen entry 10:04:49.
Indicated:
10:42:58
